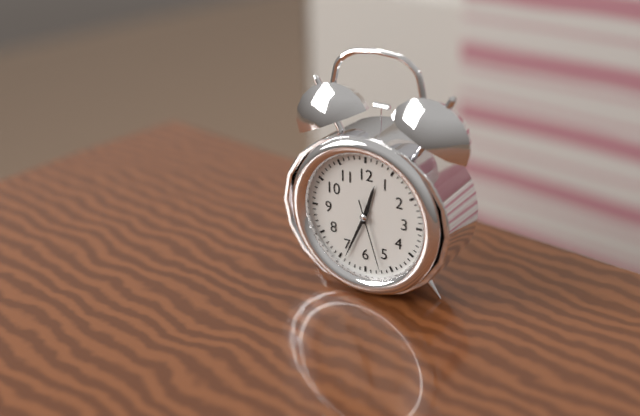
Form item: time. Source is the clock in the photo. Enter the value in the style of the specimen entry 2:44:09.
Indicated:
12:34:27
